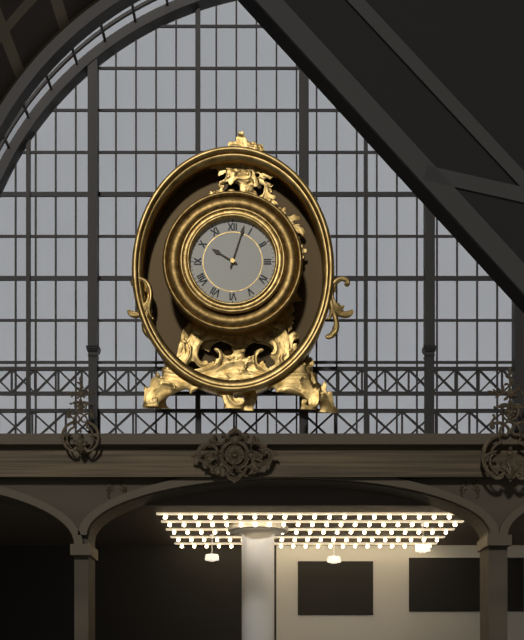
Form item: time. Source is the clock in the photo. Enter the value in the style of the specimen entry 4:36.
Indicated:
10:03
